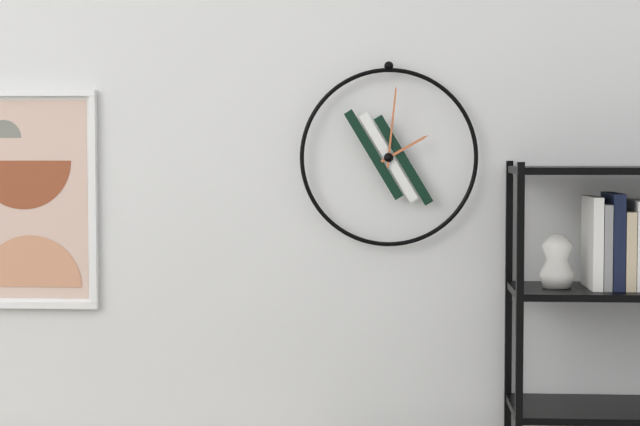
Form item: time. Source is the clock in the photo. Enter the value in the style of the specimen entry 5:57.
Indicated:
2:01
